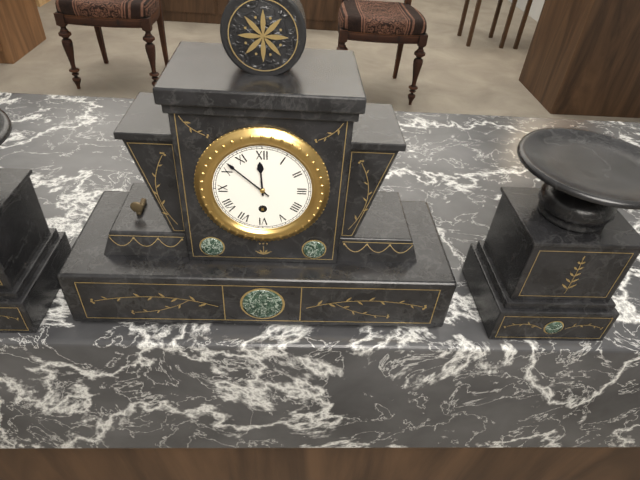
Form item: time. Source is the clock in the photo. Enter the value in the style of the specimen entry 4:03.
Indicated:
11:52
